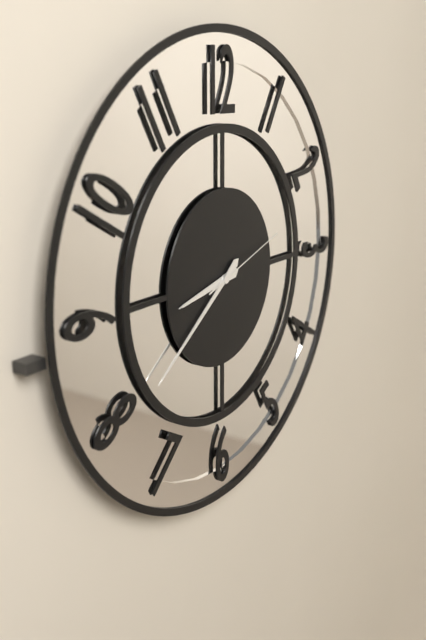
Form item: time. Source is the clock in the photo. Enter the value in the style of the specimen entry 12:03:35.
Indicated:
8:39:12
